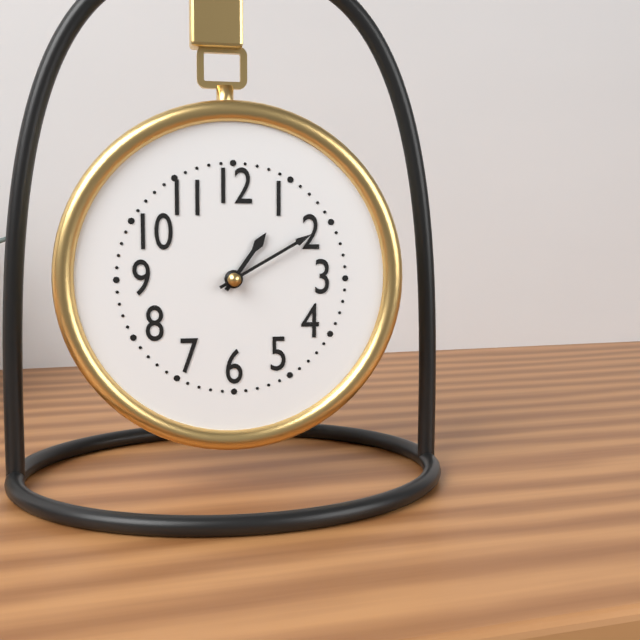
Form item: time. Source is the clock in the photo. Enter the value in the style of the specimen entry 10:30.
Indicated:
1:10
